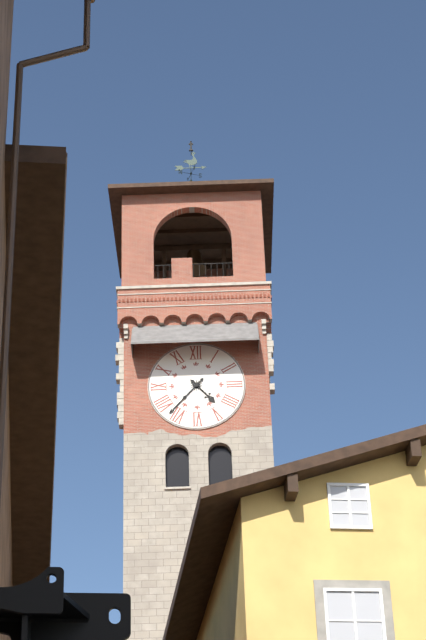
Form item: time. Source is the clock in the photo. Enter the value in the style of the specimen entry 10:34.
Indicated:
4:37
